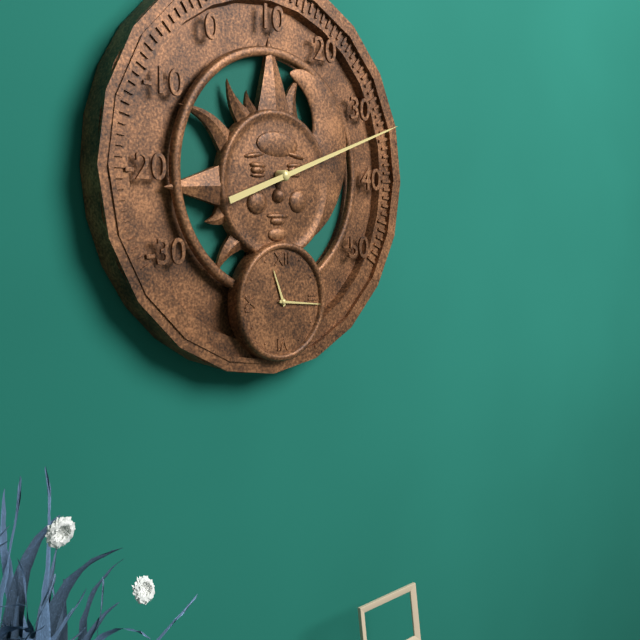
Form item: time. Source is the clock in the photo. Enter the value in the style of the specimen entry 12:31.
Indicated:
11:16
